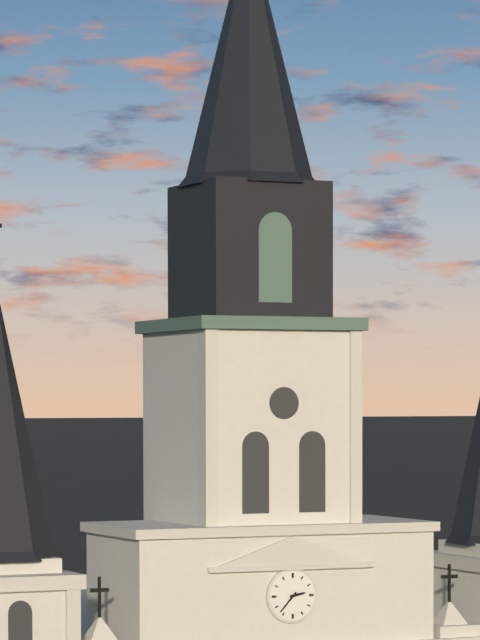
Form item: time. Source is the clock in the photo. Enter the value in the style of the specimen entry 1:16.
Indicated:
2:37
